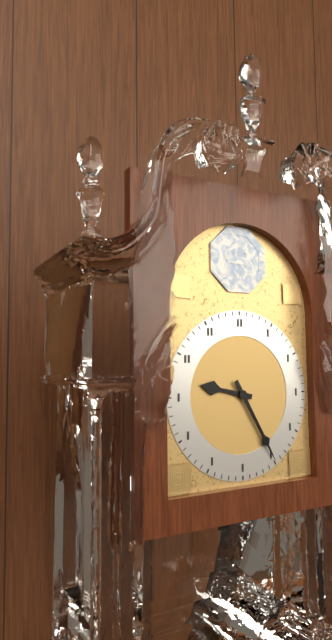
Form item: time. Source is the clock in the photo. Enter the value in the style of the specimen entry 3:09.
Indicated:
9:25
